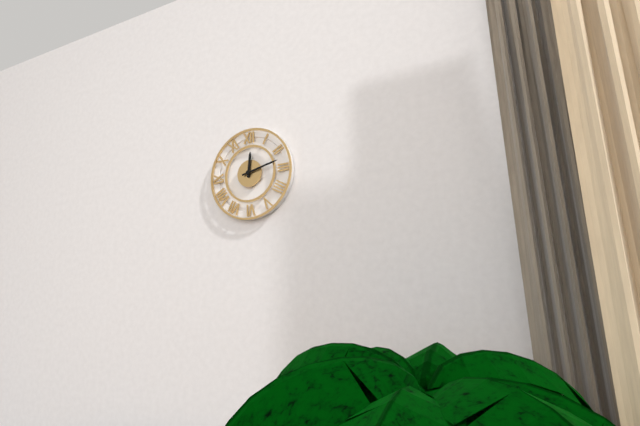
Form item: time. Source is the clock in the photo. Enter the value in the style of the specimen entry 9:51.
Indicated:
12:13
